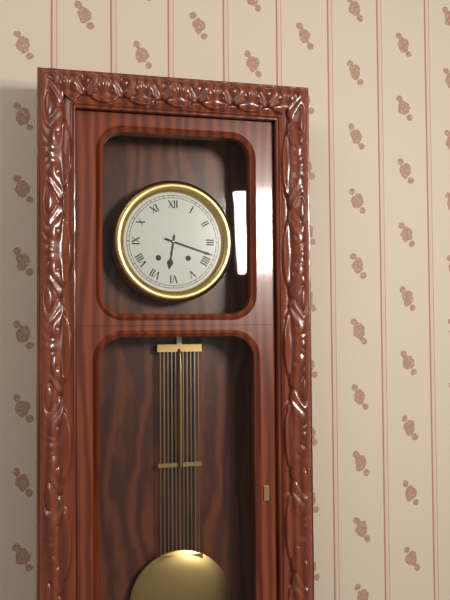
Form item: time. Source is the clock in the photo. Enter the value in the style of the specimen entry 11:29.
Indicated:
6:18
